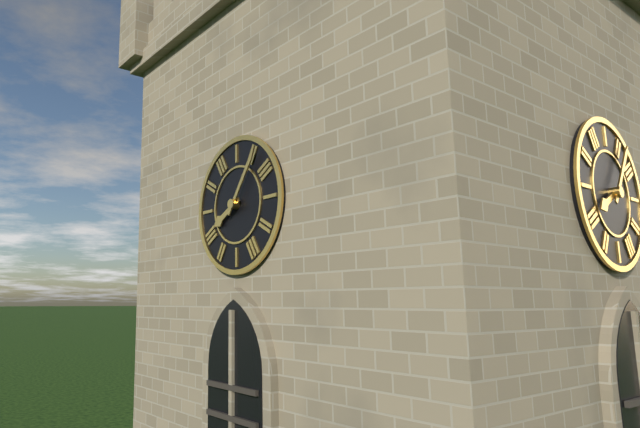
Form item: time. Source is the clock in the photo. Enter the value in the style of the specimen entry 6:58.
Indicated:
8:06
